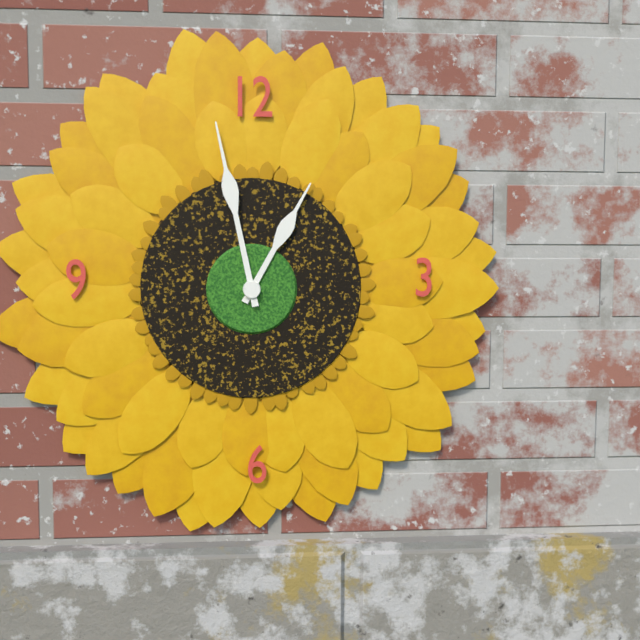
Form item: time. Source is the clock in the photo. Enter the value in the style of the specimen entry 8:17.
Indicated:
12:58
